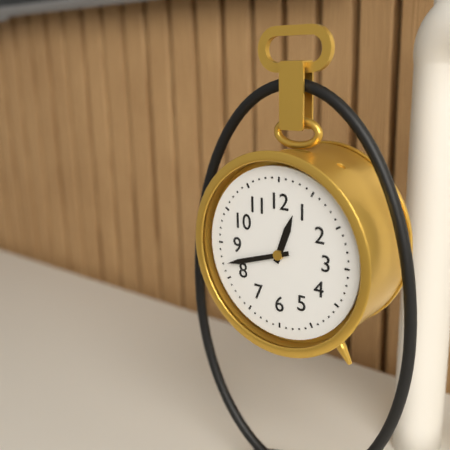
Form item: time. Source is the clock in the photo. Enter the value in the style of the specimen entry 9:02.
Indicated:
12:42
